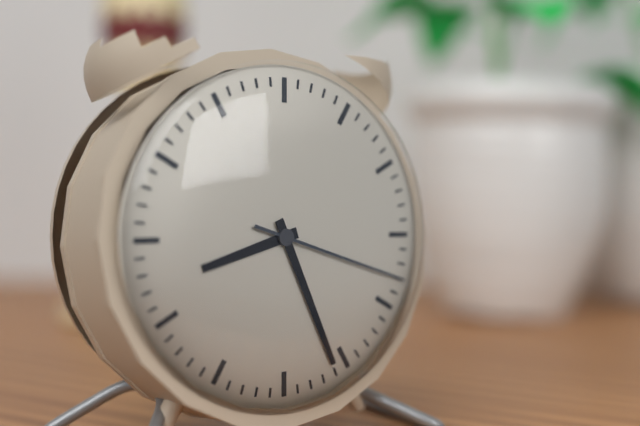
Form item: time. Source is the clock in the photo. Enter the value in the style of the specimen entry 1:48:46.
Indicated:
8:26:18
